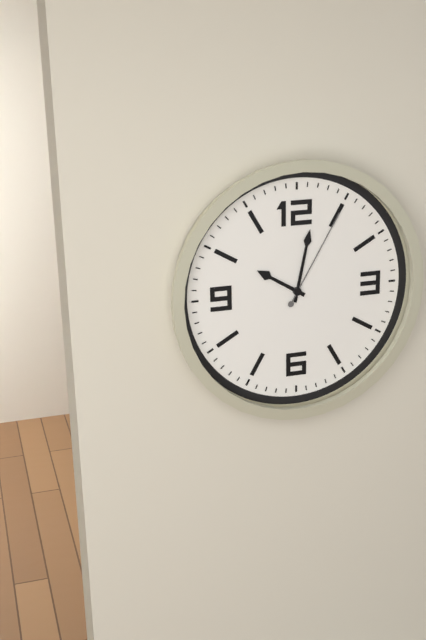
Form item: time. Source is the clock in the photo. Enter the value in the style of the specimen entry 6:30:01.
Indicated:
10:02:05
